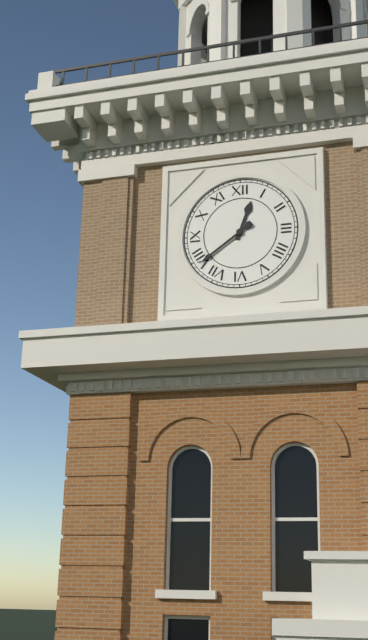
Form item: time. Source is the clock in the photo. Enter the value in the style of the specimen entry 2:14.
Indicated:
12:39
